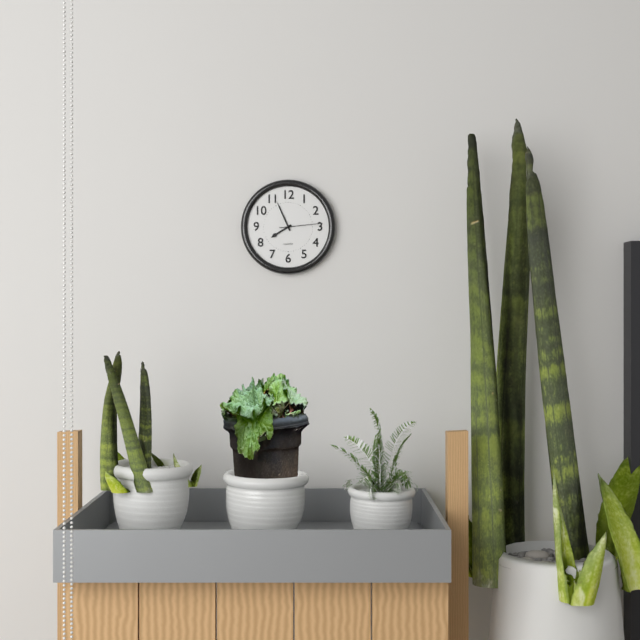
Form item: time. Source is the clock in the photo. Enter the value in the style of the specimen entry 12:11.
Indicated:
7:56
